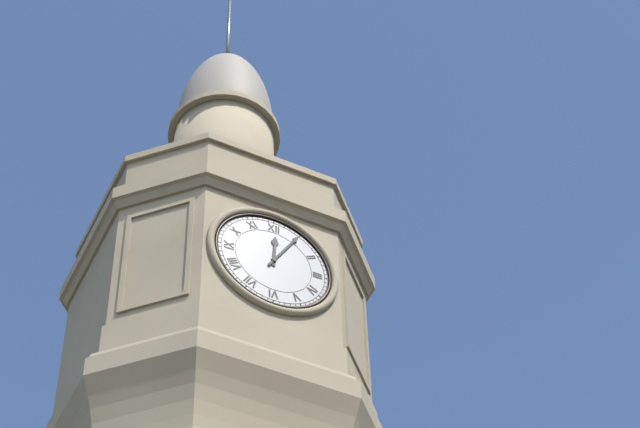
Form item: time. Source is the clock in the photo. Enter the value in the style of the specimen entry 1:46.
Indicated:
12:05
